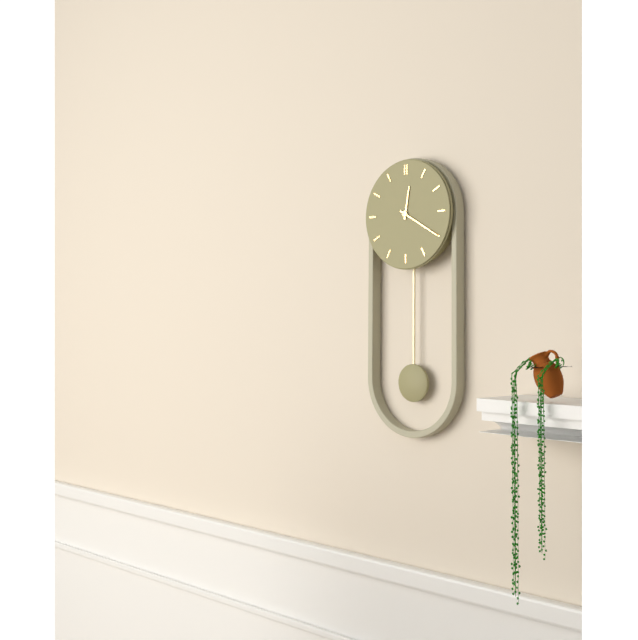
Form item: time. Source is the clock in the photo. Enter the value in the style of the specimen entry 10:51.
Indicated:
12:20
